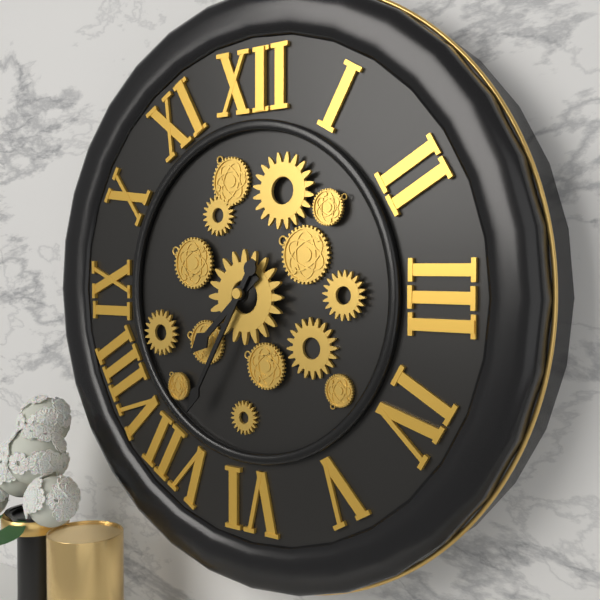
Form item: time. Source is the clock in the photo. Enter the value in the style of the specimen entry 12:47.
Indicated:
7:35
